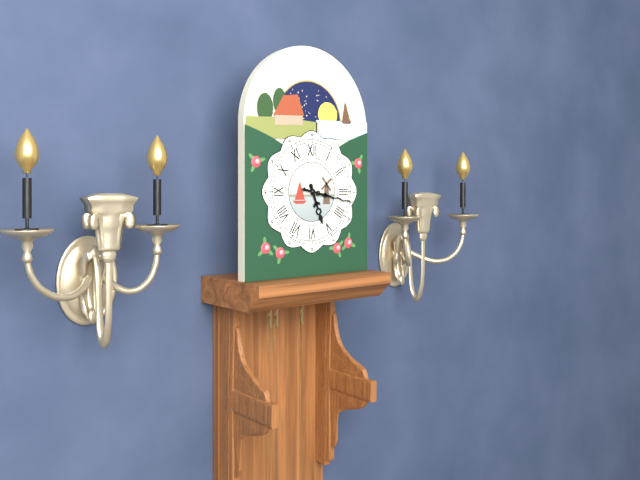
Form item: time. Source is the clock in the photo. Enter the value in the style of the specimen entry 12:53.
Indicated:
5:17
